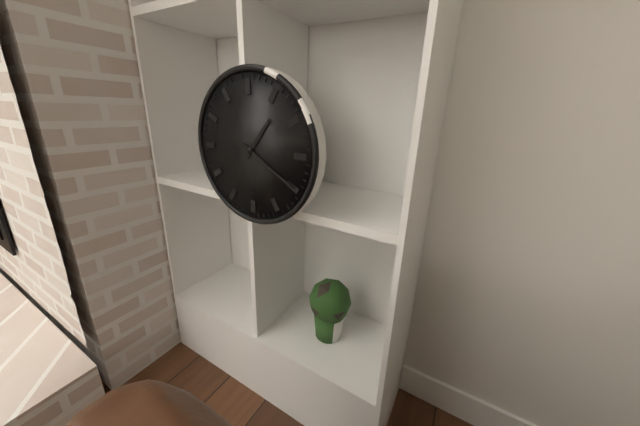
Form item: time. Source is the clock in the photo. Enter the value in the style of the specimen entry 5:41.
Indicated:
1:20
